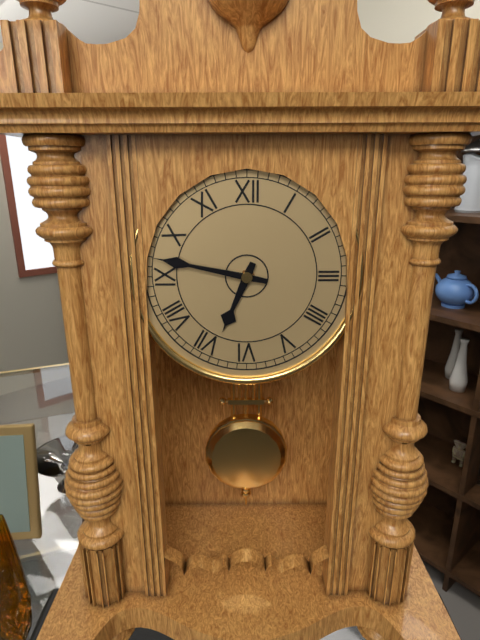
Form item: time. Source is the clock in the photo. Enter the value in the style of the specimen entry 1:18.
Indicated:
6:47
